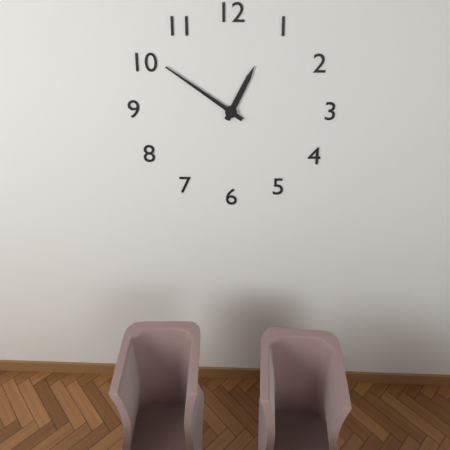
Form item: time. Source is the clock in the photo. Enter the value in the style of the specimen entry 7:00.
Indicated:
12:51
